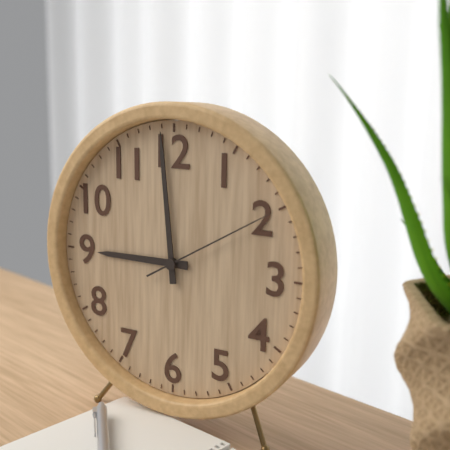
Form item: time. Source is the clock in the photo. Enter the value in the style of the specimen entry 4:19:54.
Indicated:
8:59:10
